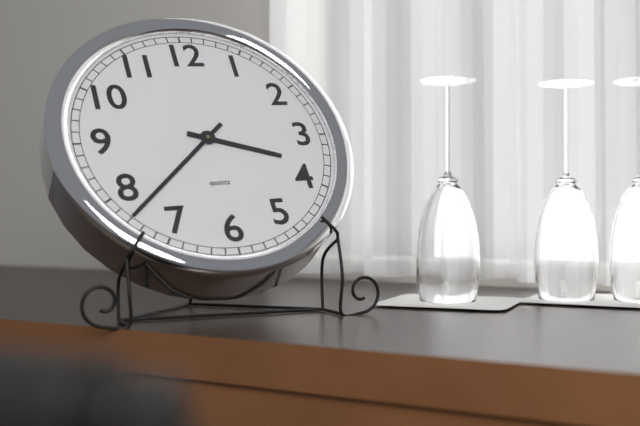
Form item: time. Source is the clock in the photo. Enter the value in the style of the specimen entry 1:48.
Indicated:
3:38
